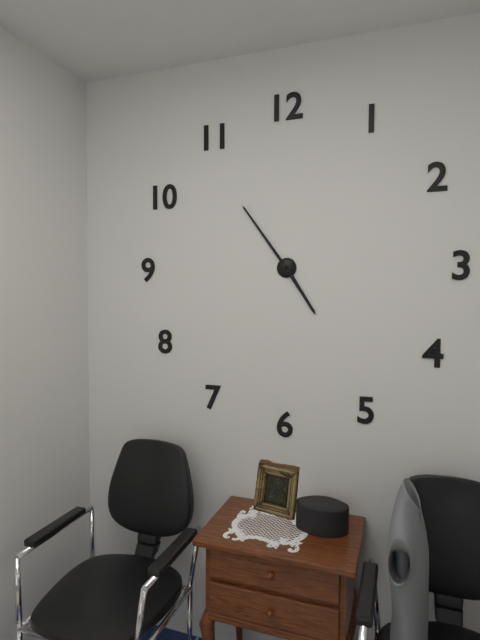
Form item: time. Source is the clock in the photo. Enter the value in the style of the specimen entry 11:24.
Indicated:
4:54
